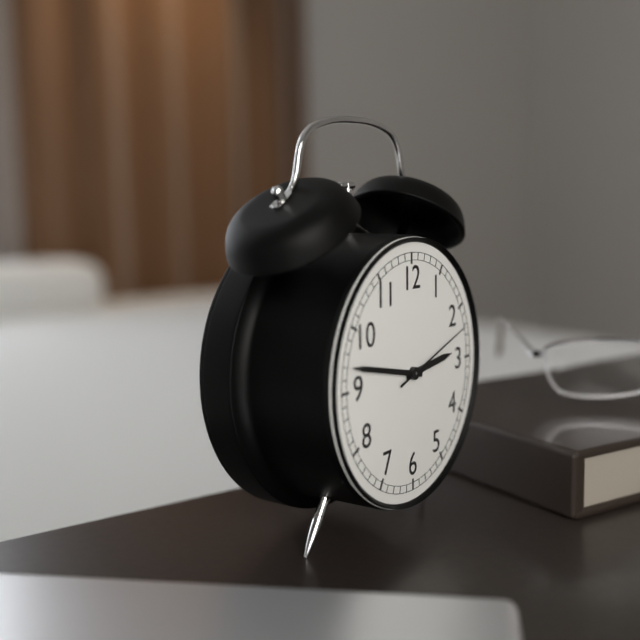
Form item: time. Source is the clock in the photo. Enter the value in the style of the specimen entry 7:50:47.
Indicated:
2:47:12
